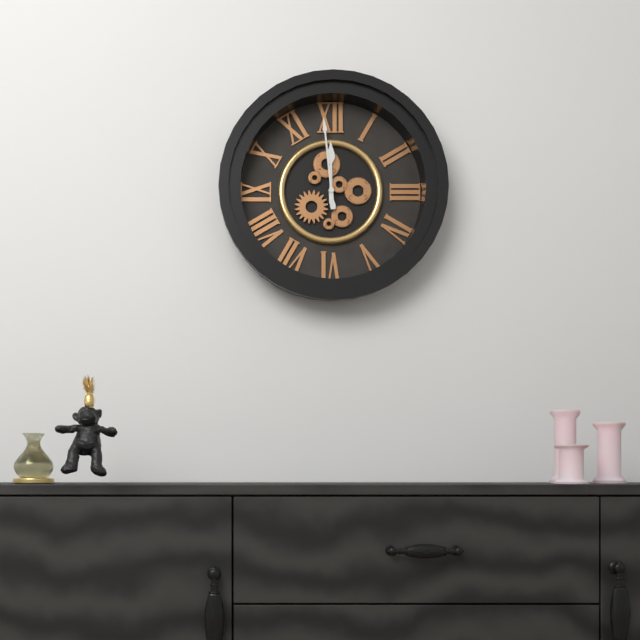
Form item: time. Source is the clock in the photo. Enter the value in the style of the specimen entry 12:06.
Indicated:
11:59
